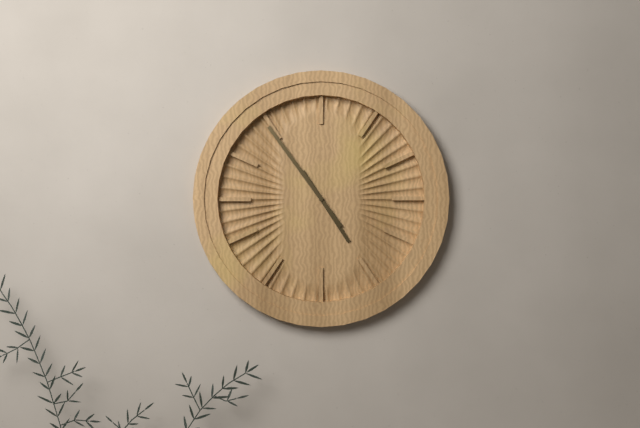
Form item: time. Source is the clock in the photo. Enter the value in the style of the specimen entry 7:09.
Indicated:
4:54
